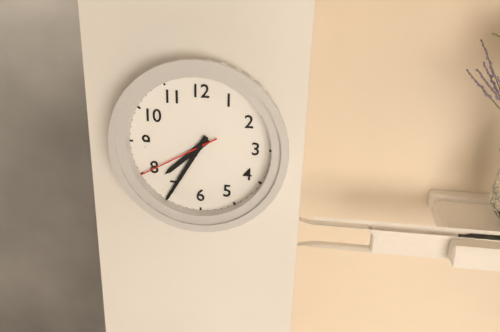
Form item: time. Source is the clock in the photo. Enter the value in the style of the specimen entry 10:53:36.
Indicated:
7:35:40
